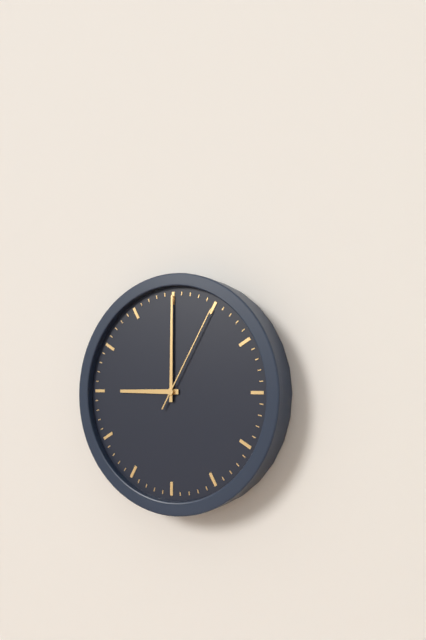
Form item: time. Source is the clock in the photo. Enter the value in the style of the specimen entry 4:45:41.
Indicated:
9:00:05
